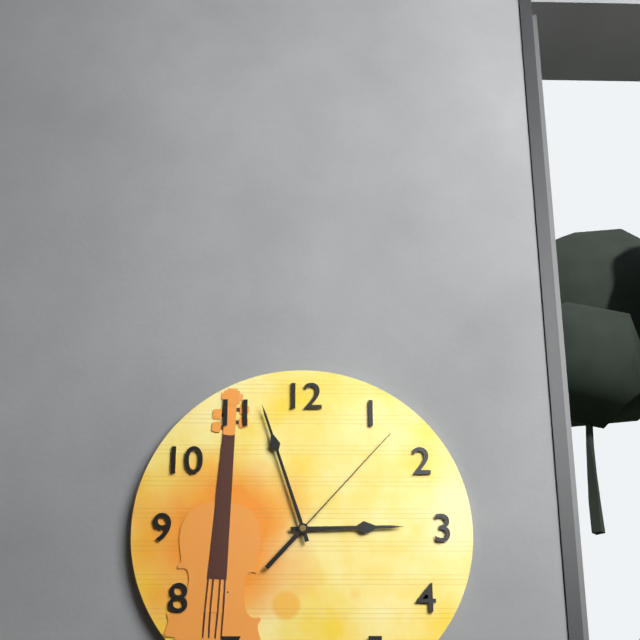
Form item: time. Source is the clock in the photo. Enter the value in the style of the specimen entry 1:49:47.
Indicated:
2:57:07
